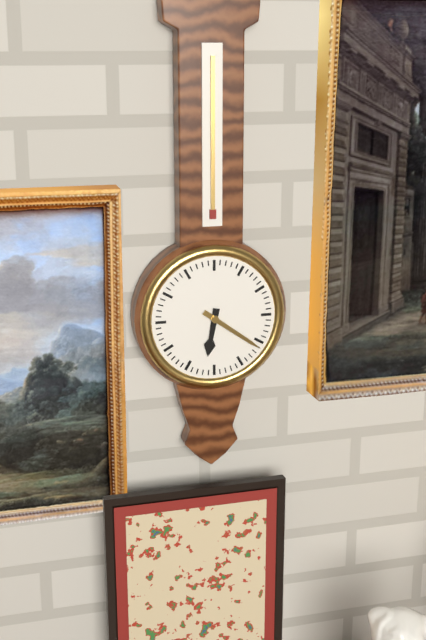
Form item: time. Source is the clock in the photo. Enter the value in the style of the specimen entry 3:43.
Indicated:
6:21
